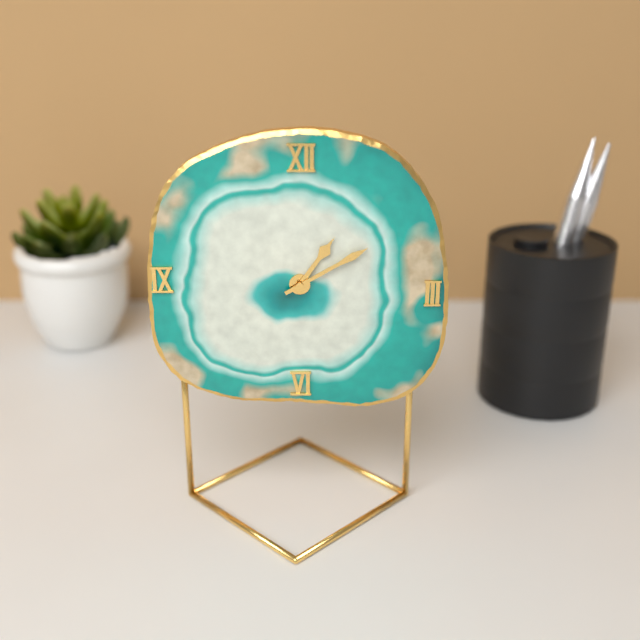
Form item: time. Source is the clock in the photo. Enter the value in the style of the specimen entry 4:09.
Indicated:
1:10
